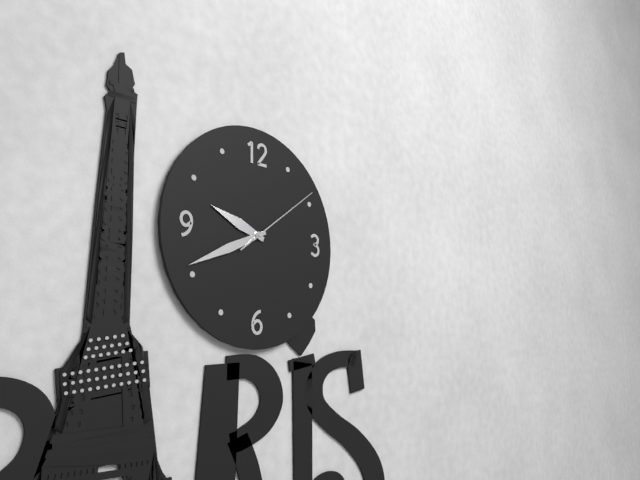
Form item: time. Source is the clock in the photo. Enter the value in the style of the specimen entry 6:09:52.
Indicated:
9:41:09
